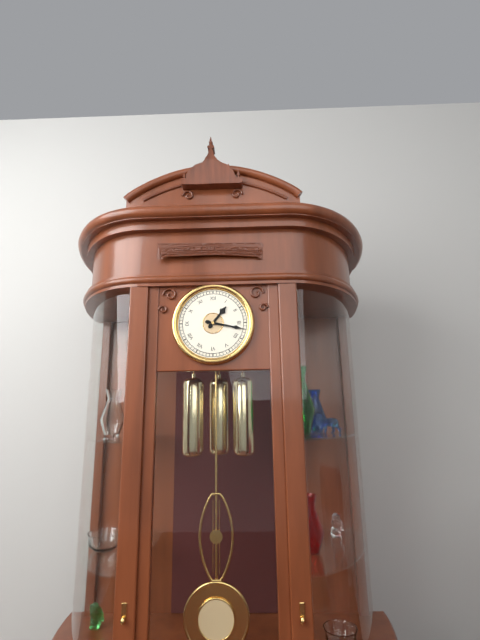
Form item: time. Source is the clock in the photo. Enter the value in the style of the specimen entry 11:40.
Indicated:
1:17
